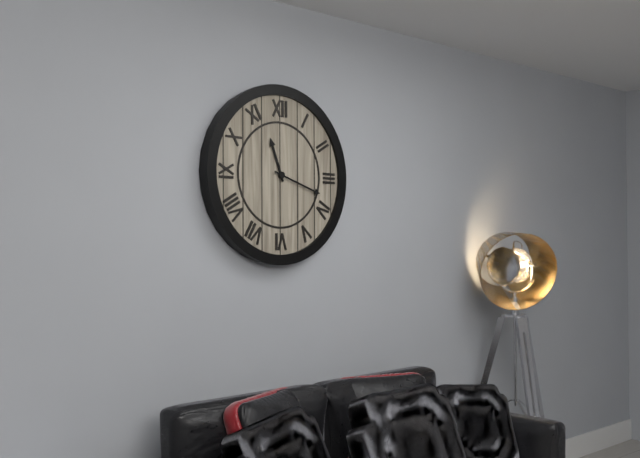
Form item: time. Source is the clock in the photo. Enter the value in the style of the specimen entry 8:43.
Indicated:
11:18
